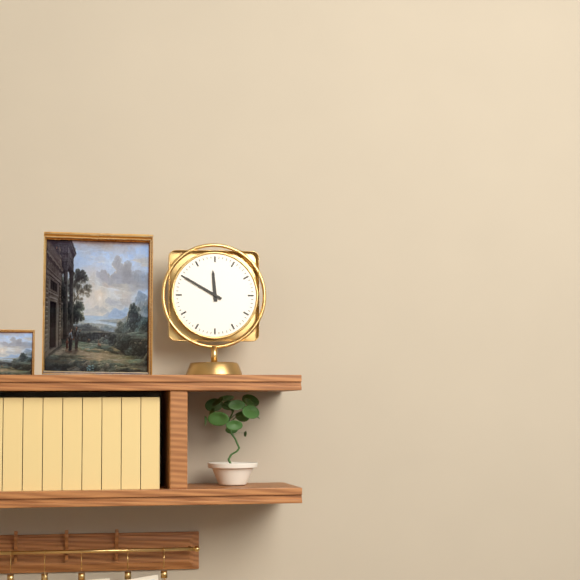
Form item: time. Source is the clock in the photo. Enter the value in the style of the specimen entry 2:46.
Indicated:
11:50
